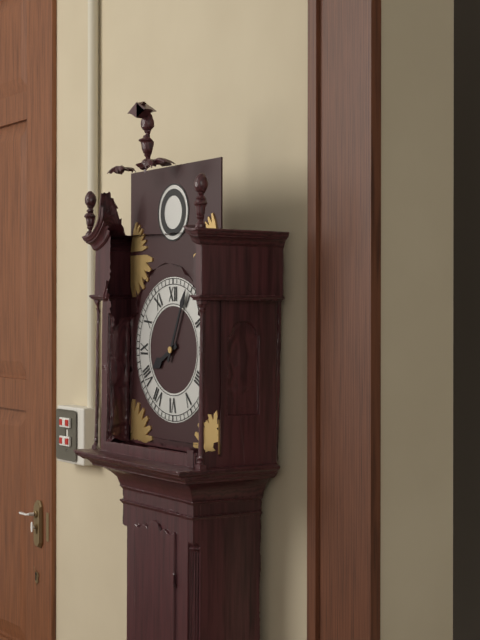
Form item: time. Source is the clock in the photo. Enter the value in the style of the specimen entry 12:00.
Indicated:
8:04
